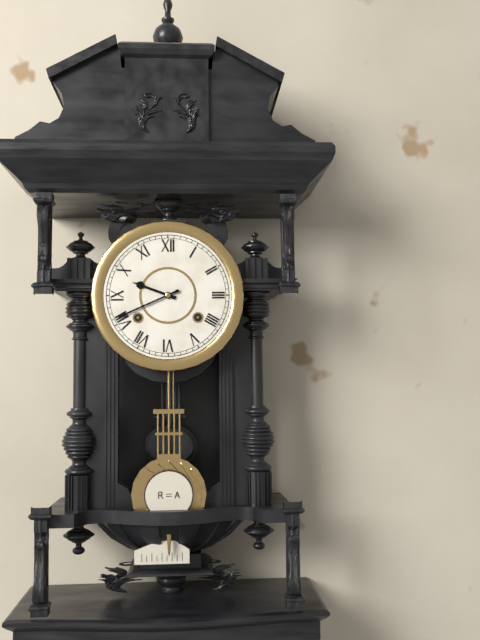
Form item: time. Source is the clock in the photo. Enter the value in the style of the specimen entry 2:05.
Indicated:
9:41
